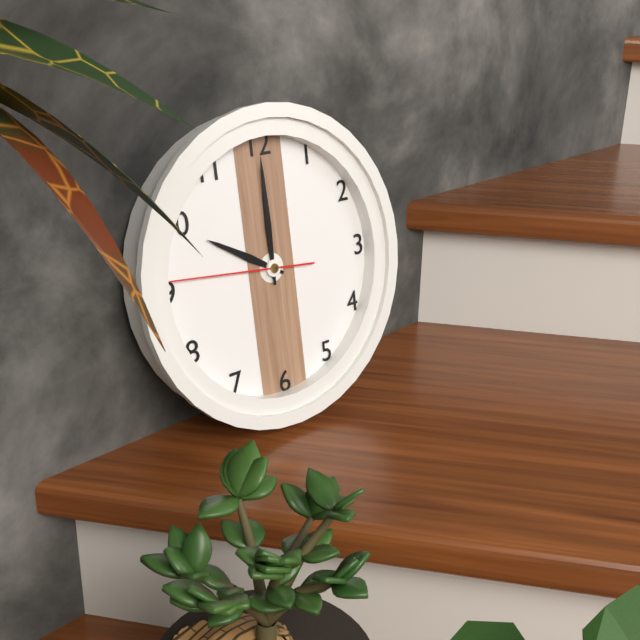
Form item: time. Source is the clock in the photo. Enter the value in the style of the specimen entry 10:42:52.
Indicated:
10:00:46
